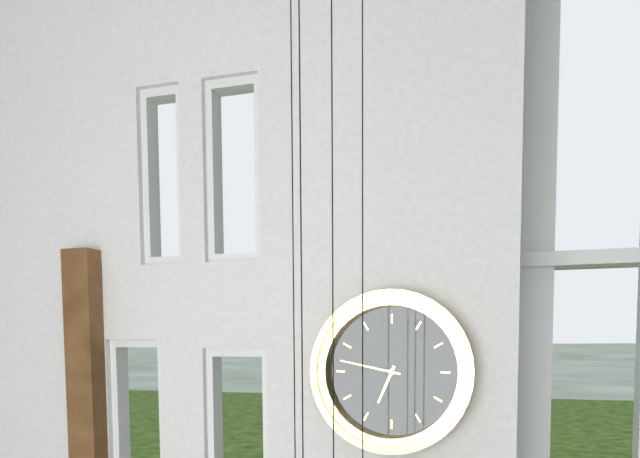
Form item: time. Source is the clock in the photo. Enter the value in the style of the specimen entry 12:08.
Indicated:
6:47
